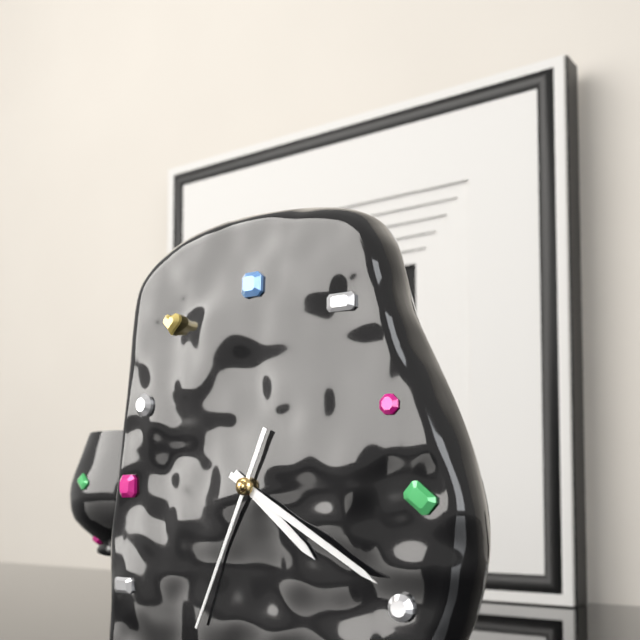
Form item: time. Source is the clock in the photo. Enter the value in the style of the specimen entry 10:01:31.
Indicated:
4:20:34
